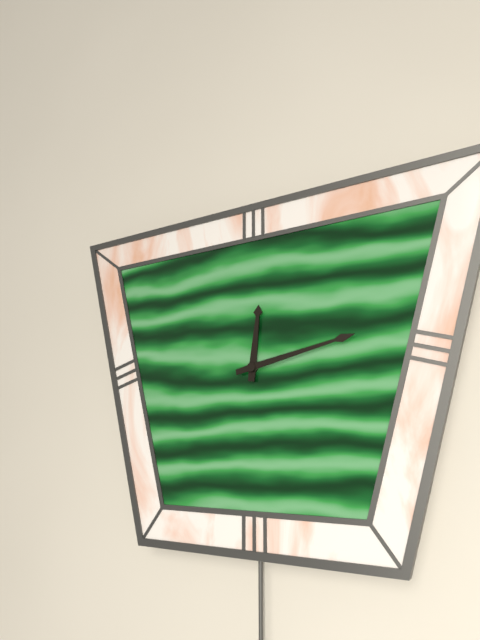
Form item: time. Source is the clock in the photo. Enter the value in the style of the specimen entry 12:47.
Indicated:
12:13
